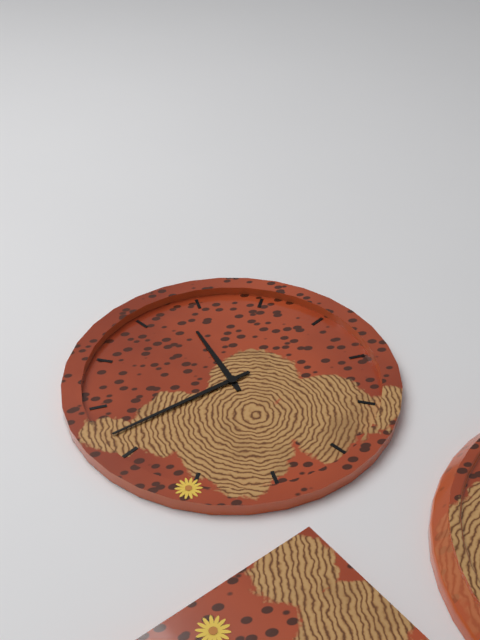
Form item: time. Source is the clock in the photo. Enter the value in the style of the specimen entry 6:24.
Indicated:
11:42
